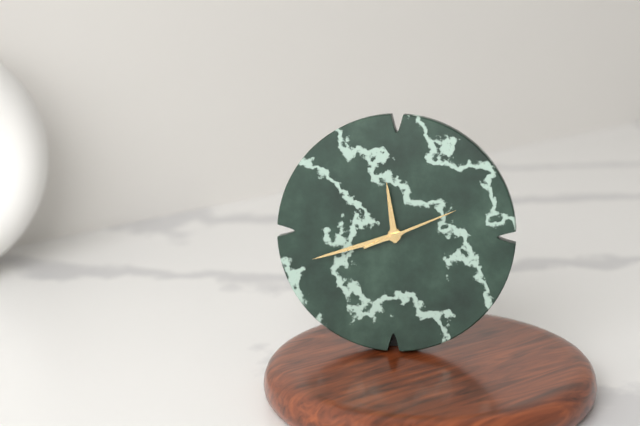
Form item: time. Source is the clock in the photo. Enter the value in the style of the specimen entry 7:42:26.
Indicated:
11:42:11
